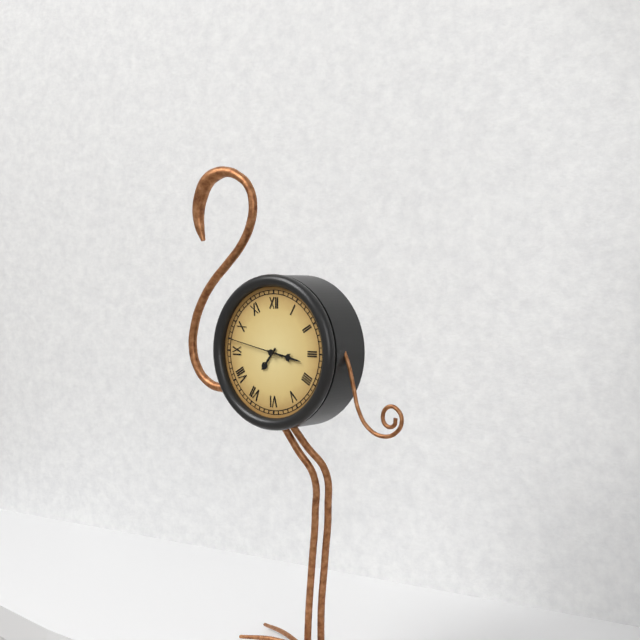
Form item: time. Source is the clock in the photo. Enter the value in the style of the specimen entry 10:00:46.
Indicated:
7:17:47
